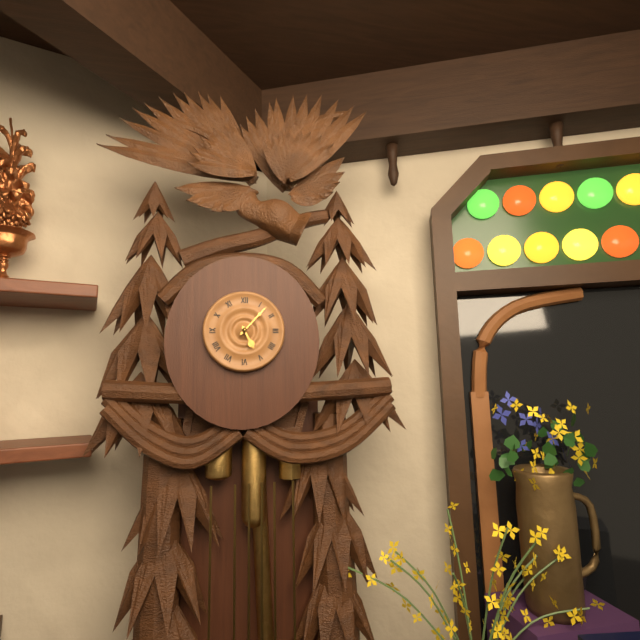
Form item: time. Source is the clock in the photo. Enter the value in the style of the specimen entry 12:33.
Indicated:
5:07
